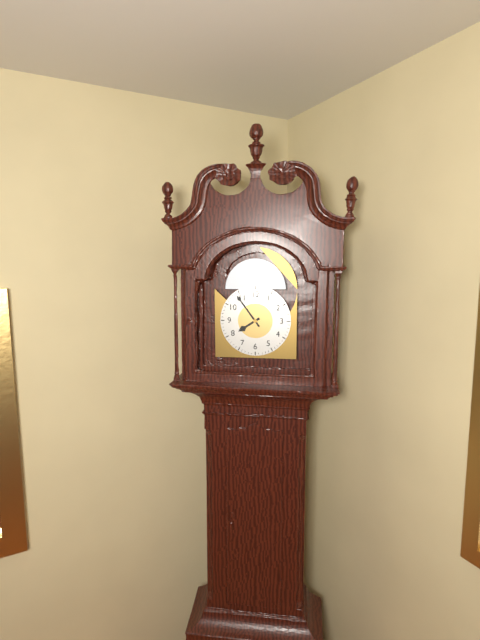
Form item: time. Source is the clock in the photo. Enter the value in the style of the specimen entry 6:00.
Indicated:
7:54
